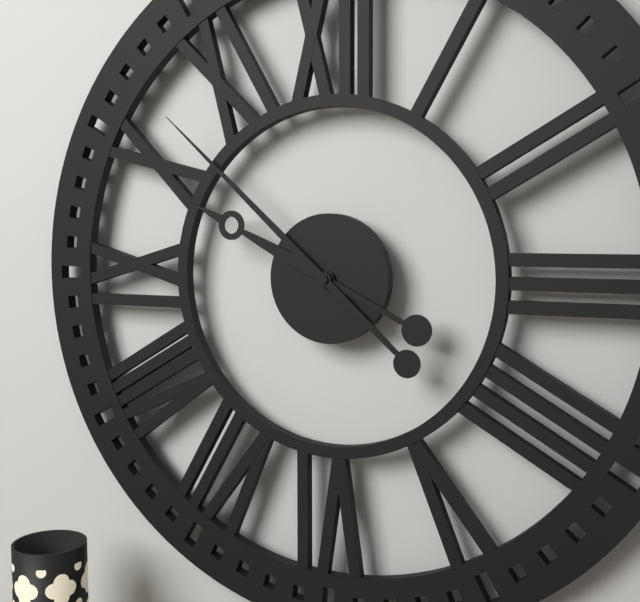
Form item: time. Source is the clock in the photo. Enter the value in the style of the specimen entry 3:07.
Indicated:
9:52
